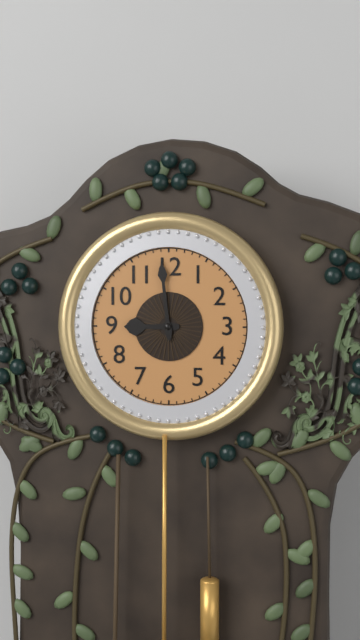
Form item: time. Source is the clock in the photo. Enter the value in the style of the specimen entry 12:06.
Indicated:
8:59
